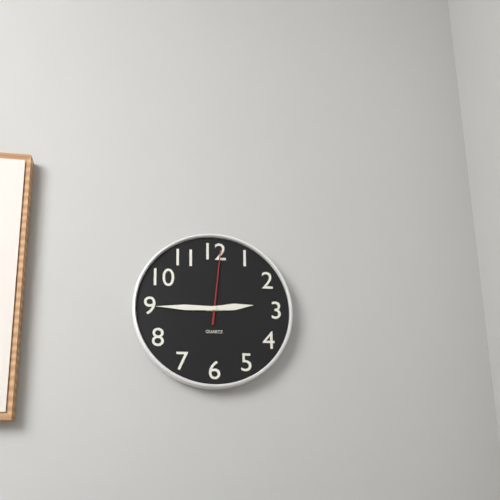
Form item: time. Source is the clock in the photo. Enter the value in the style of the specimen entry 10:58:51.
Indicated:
2:45:01
